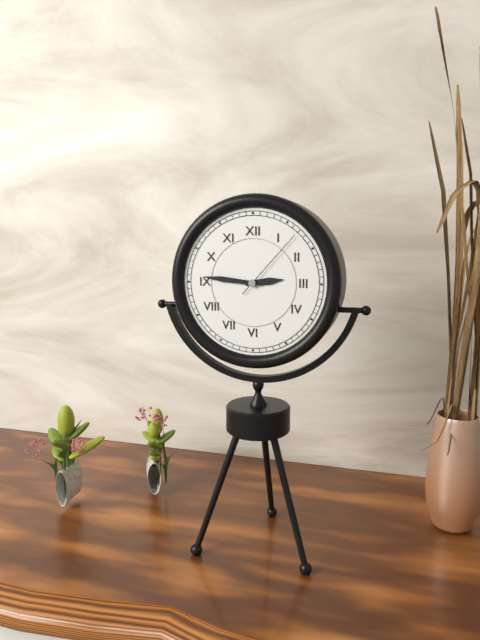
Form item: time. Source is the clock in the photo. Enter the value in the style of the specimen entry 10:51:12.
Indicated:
2:46:07
